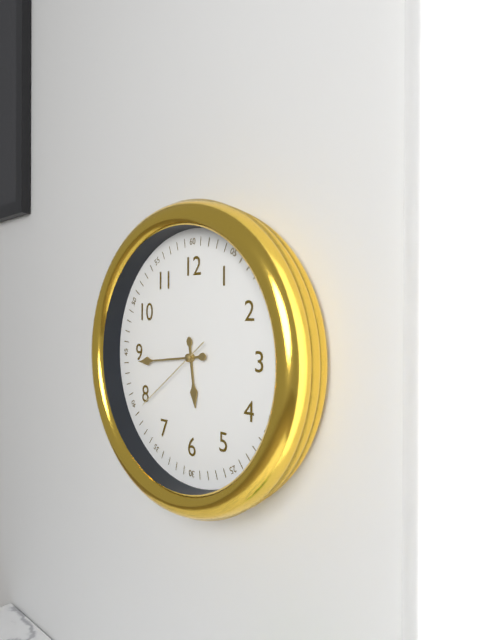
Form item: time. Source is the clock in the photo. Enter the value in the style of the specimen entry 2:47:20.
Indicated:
5:44:39
